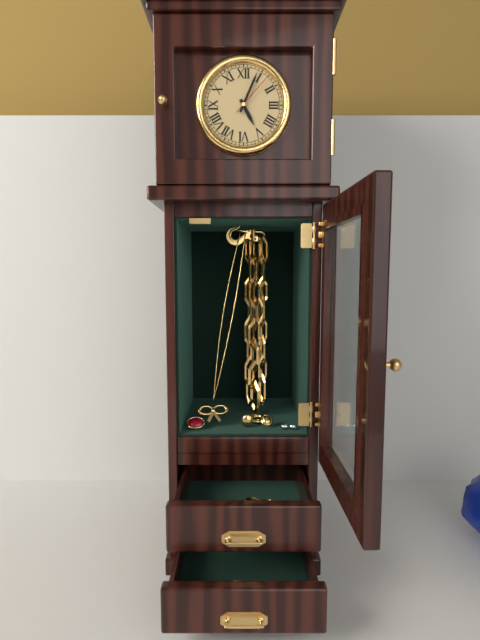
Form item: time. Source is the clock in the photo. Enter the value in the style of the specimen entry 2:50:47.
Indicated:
5:04:07
